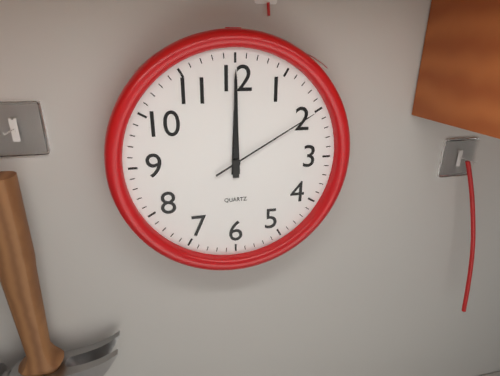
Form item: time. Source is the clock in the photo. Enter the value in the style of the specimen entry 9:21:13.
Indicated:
12:00:10
